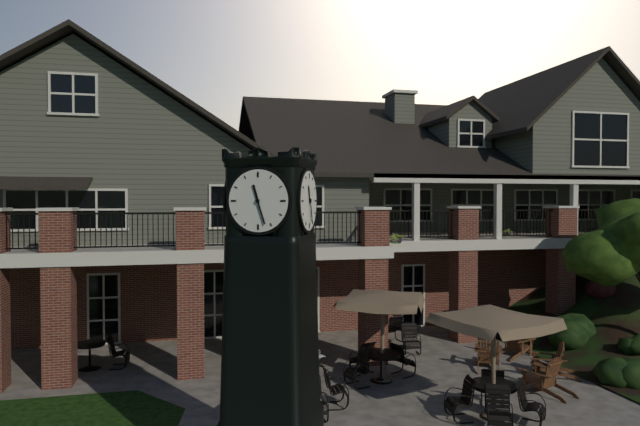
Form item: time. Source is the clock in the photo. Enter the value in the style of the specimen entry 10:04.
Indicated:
11:27
